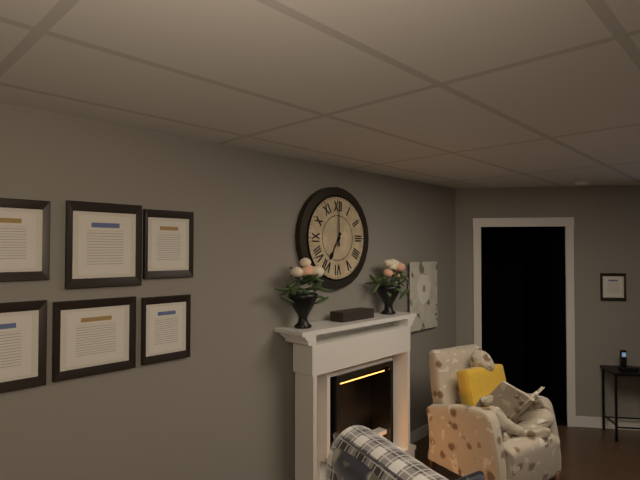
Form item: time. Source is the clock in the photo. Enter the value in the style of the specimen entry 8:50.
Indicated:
7:00
